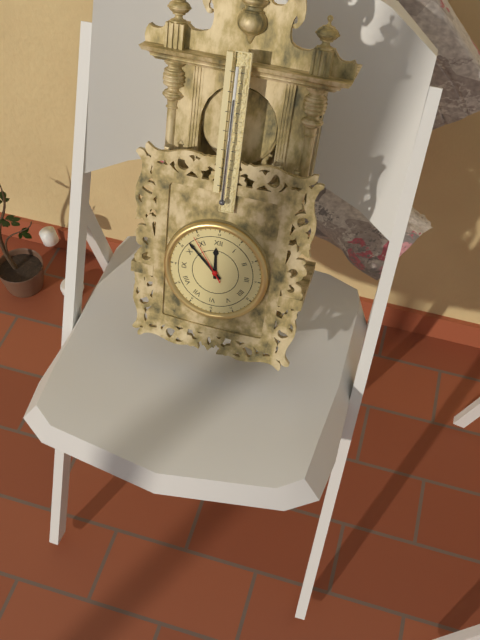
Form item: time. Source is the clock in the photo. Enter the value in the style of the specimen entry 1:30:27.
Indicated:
11:52:54
